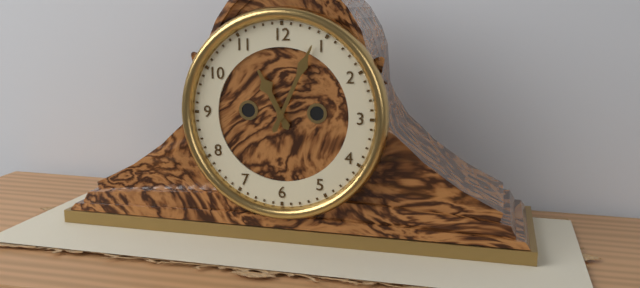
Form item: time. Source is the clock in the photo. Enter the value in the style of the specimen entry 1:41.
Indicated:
11:04
